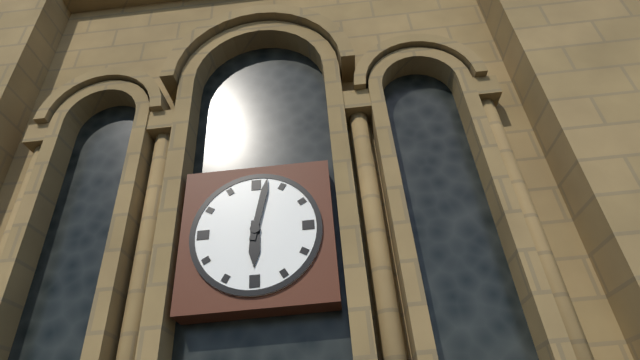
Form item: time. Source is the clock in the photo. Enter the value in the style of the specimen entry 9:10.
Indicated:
6:02
